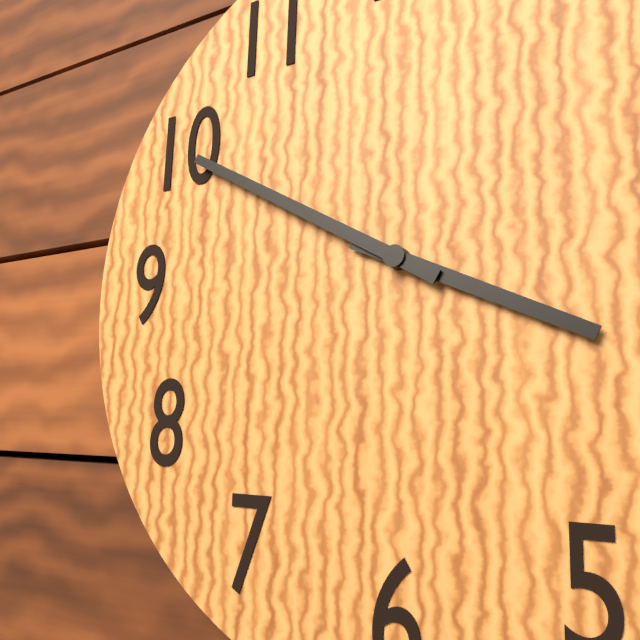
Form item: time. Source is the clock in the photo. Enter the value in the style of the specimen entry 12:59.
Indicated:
3:50
